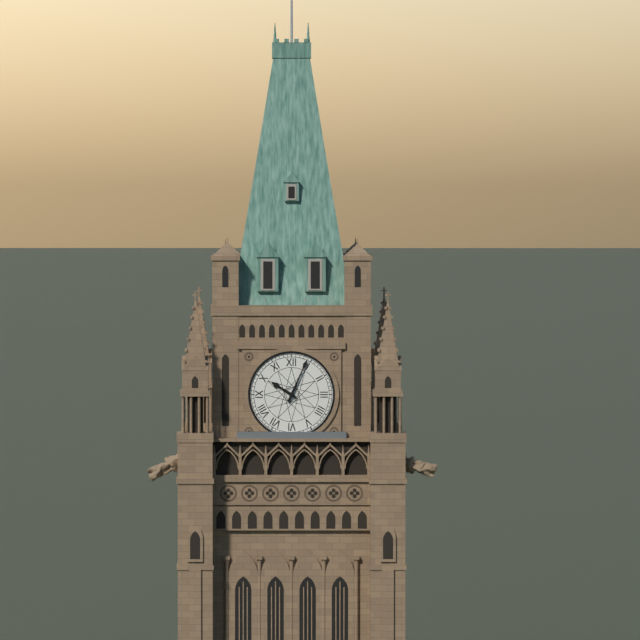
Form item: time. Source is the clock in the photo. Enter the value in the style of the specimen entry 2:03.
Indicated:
10:04
